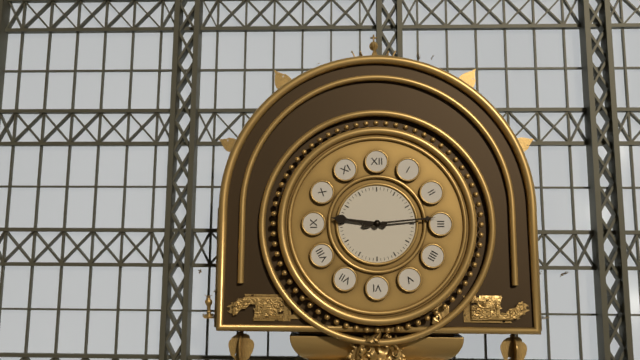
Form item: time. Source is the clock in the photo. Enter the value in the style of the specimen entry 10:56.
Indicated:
9:14
